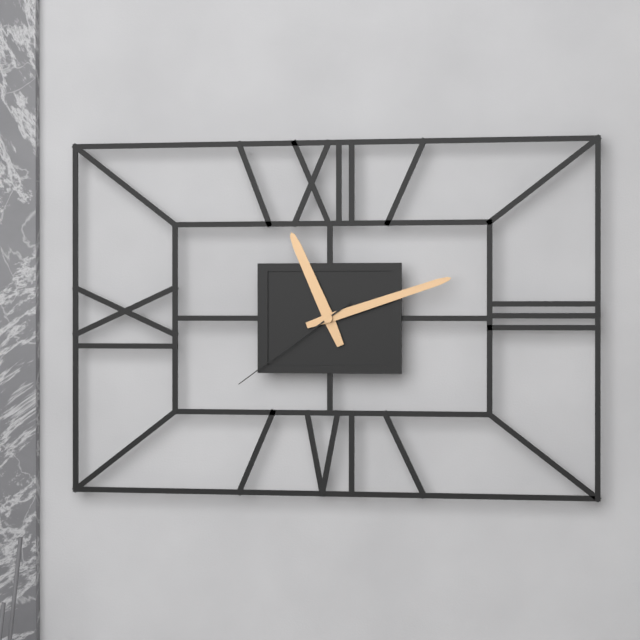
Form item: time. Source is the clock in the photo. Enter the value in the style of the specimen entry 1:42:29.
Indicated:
11:12:39
